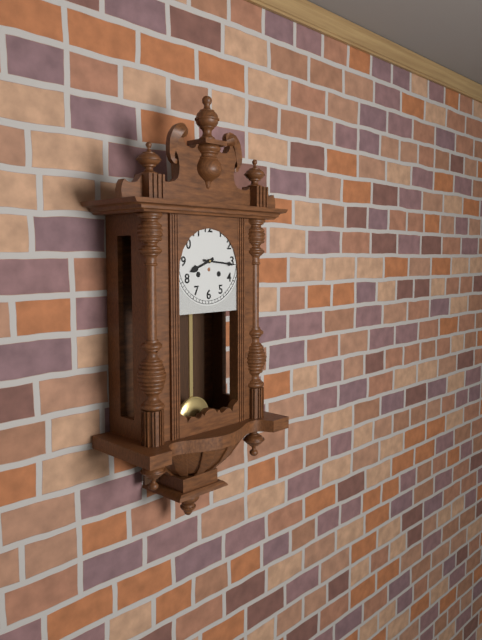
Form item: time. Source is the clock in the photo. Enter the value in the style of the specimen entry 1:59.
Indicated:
8:16
